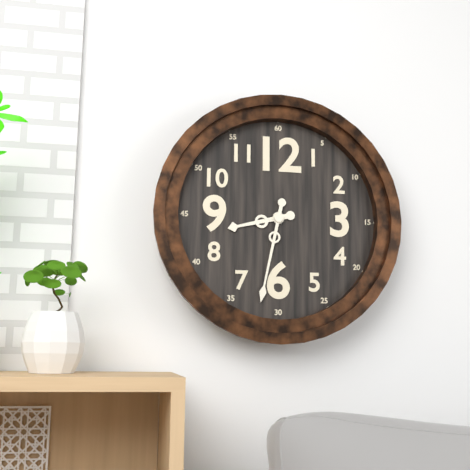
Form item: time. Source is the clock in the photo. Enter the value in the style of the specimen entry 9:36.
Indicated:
8:32
